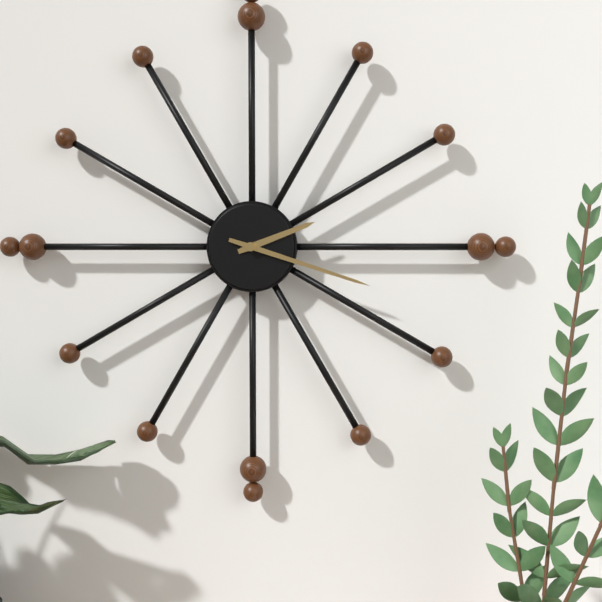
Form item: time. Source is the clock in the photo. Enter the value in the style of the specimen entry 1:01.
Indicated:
2:18
